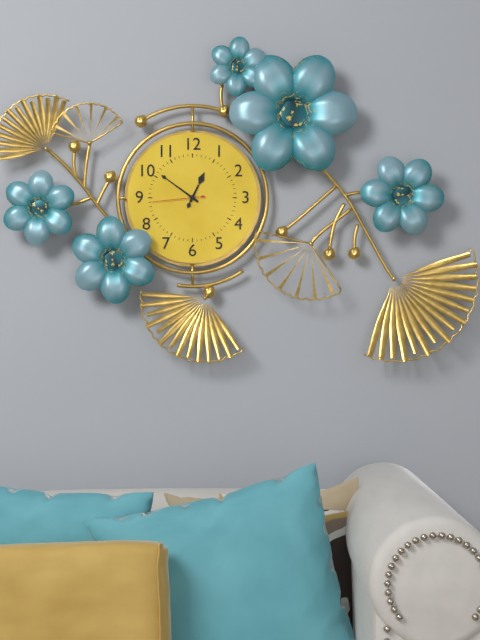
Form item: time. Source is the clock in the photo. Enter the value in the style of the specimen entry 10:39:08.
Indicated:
12:51:44
